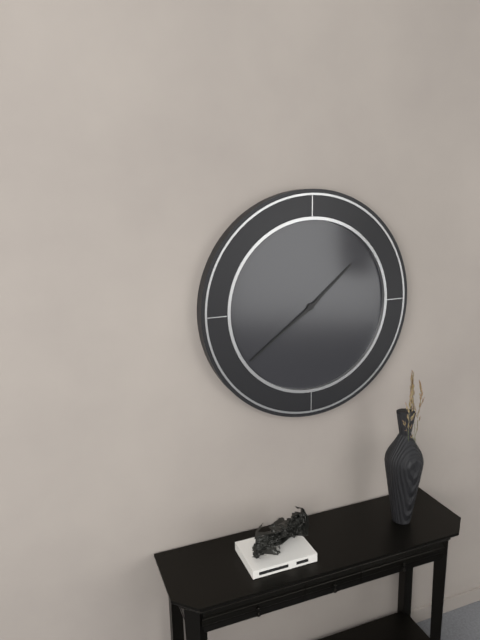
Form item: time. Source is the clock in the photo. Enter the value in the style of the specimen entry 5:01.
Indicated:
1:39
